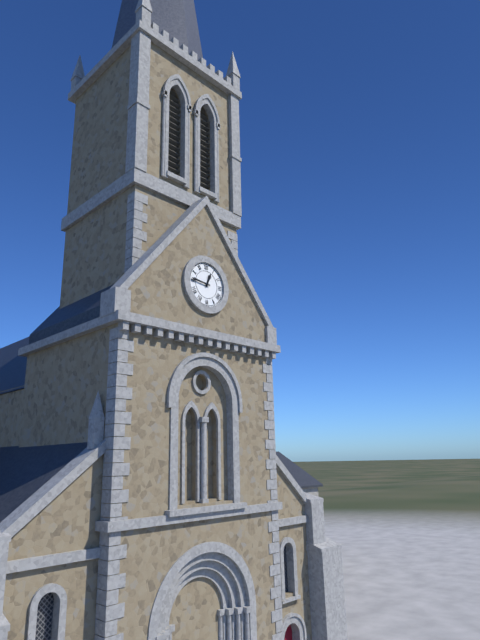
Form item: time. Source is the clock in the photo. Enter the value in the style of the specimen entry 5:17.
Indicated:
12:46
